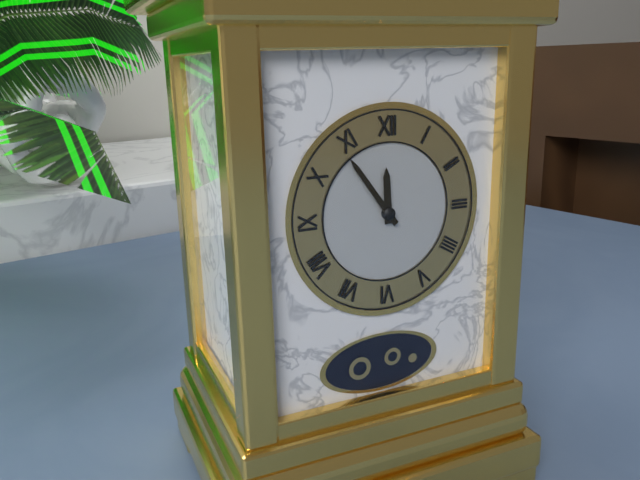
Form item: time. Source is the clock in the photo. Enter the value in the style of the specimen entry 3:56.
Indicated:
11:54
